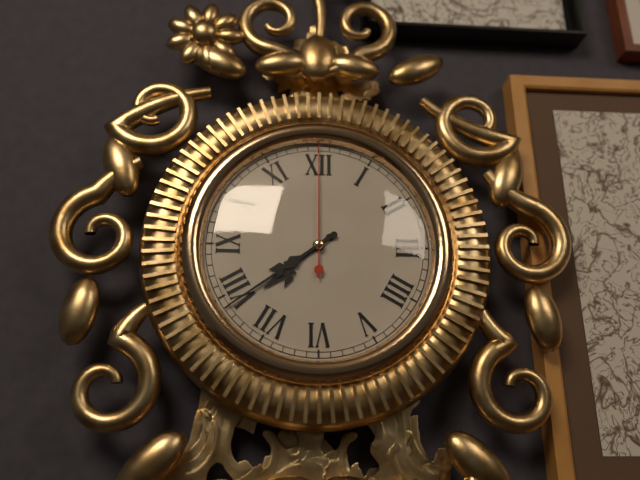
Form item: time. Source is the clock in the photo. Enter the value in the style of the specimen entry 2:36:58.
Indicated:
7:39:00
